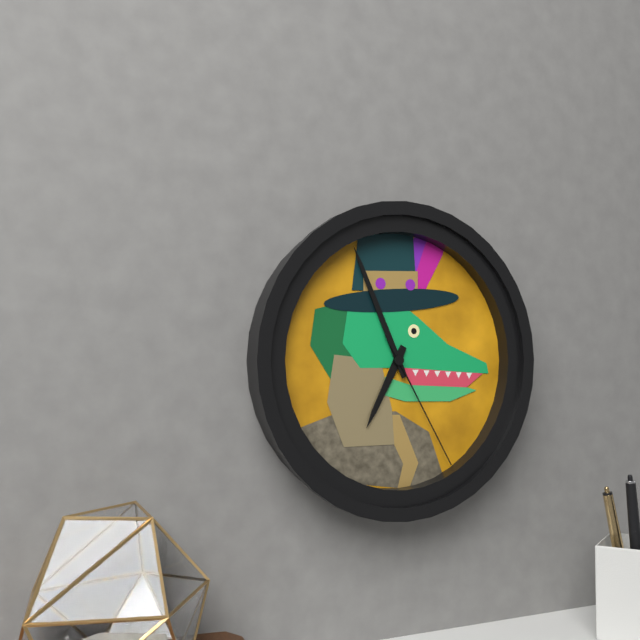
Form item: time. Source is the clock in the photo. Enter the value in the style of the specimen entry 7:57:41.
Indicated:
6:56:25
